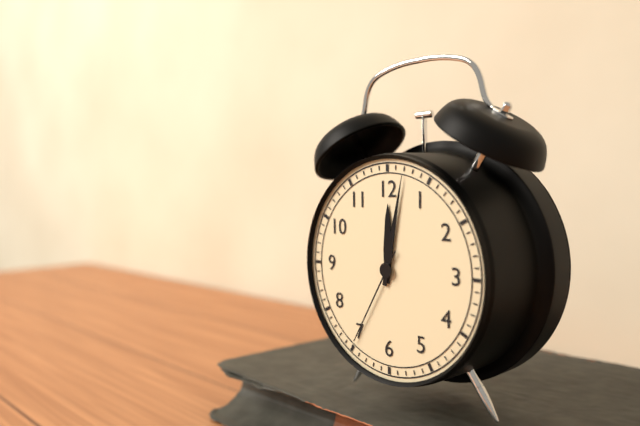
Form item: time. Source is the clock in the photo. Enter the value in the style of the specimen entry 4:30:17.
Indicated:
12:02:35
